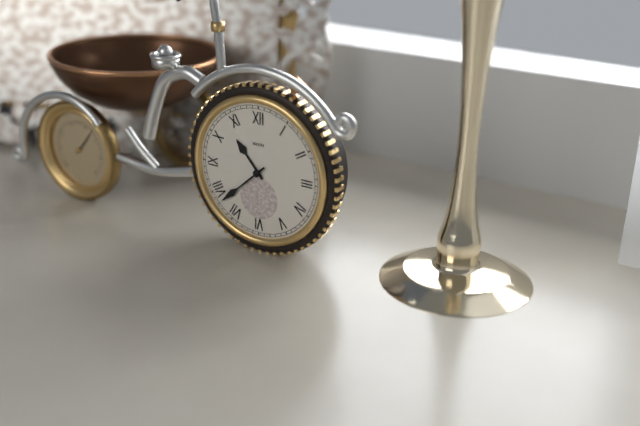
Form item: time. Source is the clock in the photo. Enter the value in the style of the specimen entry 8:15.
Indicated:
10:38
